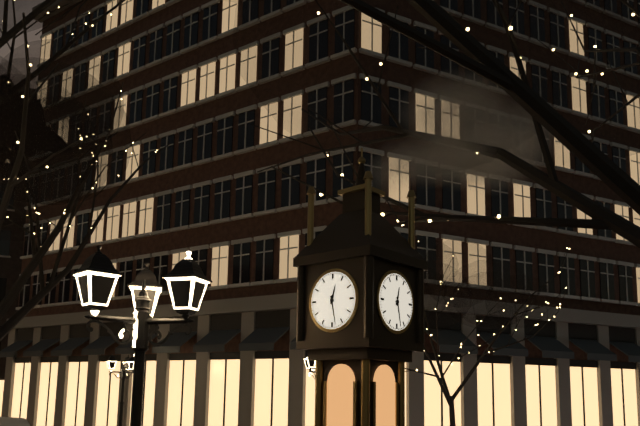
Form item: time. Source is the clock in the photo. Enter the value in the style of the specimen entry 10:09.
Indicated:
12:28
